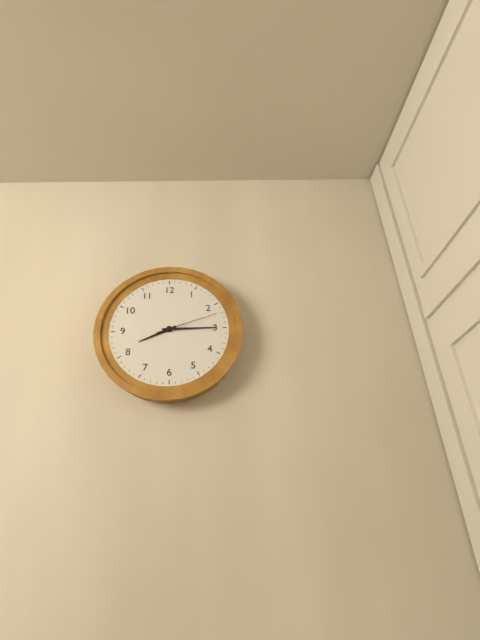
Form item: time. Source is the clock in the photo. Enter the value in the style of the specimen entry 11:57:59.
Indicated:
8:15:12
